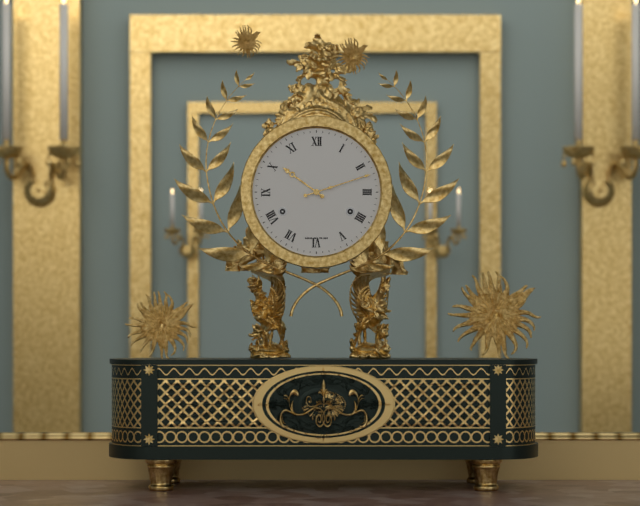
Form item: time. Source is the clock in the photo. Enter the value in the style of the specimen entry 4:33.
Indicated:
10:12
